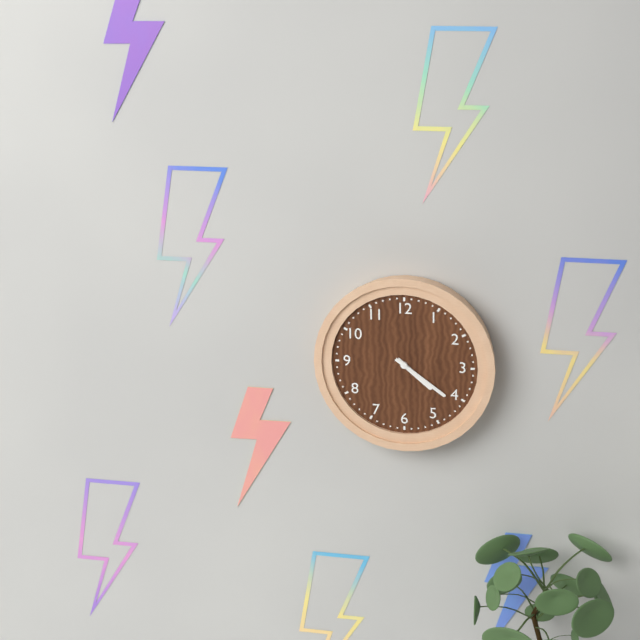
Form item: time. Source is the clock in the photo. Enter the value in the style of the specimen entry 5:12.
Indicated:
4:21
